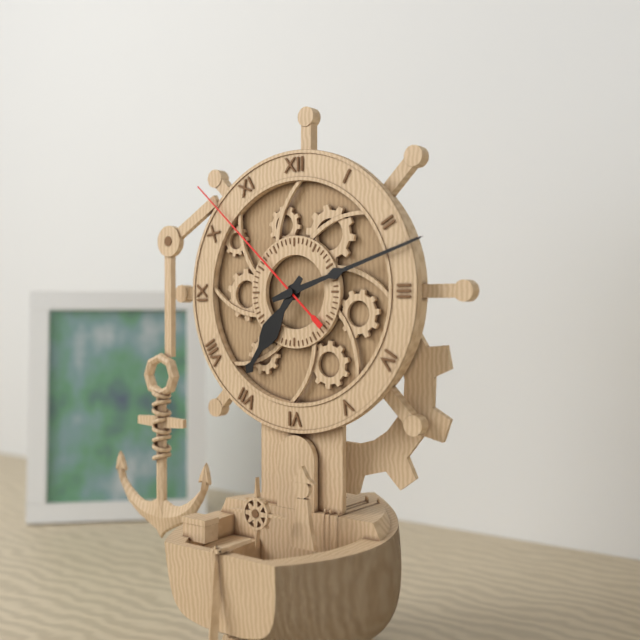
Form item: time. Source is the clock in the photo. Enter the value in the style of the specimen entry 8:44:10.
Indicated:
7:12:52
